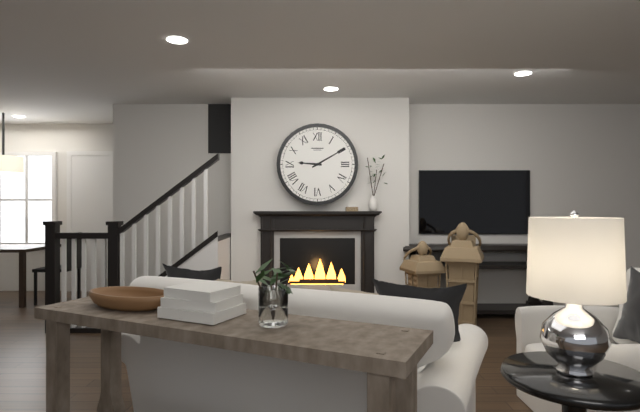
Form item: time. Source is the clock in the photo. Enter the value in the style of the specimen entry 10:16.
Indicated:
9:10
